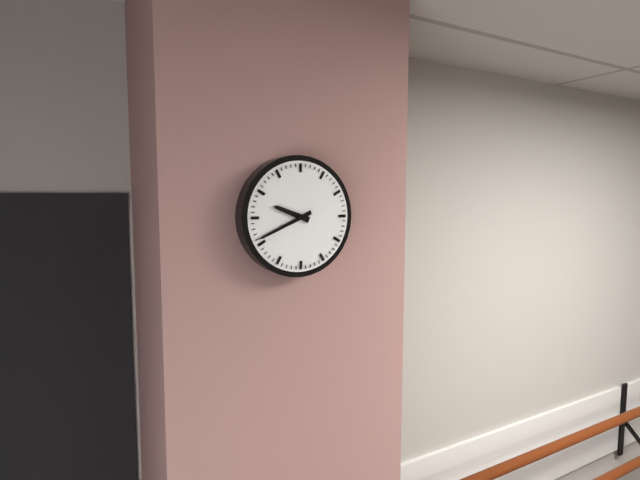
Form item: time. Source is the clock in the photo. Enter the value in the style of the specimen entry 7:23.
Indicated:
9:41
